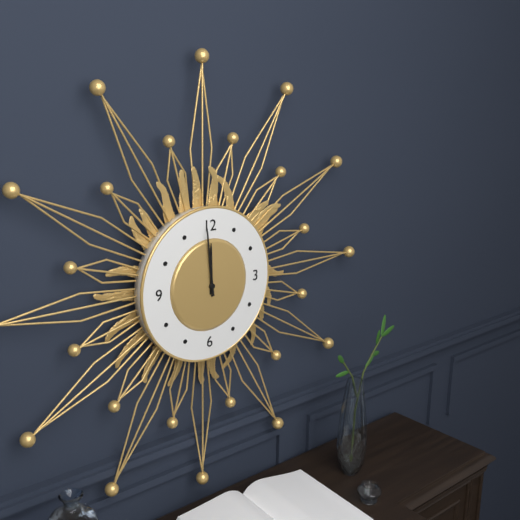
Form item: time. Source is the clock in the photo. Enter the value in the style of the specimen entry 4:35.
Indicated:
11:59
